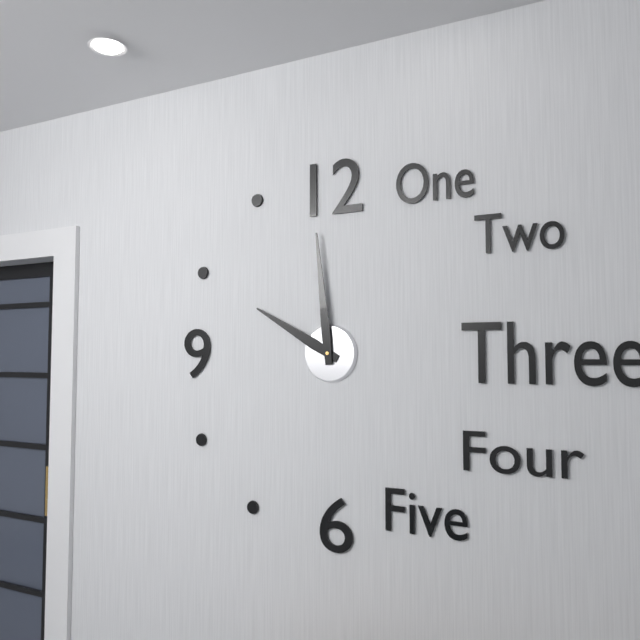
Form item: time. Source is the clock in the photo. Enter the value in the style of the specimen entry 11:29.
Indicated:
9:59
